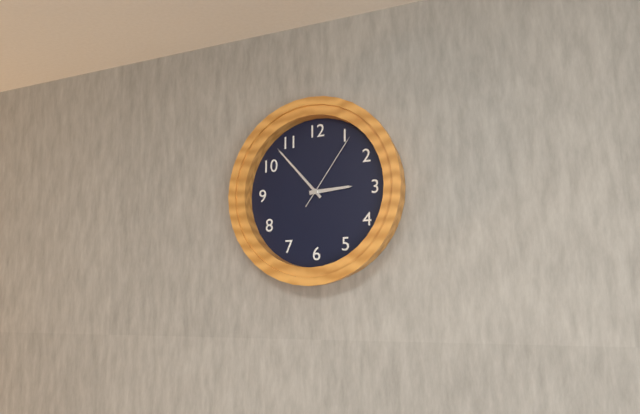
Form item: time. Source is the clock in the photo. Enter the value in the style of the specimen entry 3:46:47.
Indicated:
2:53:06
